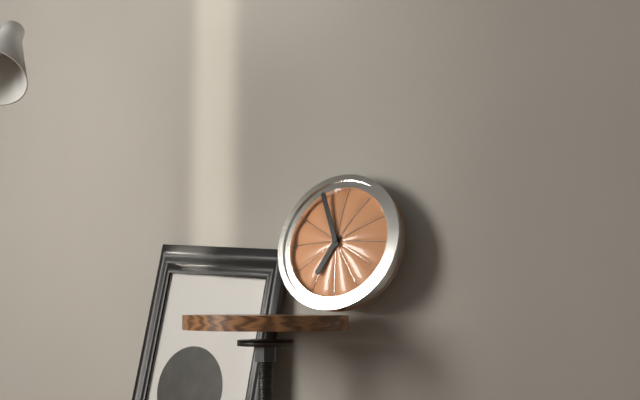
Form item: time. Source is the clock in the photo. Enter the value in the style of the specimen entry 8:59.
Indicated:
6:56
